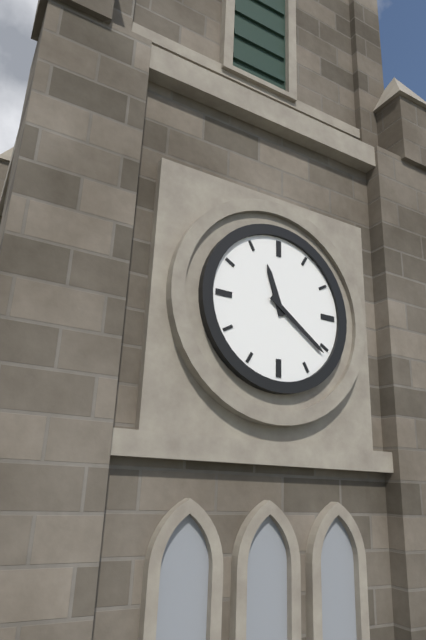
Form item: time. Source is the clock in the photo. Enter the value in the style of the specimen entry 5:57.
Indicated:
11:21
